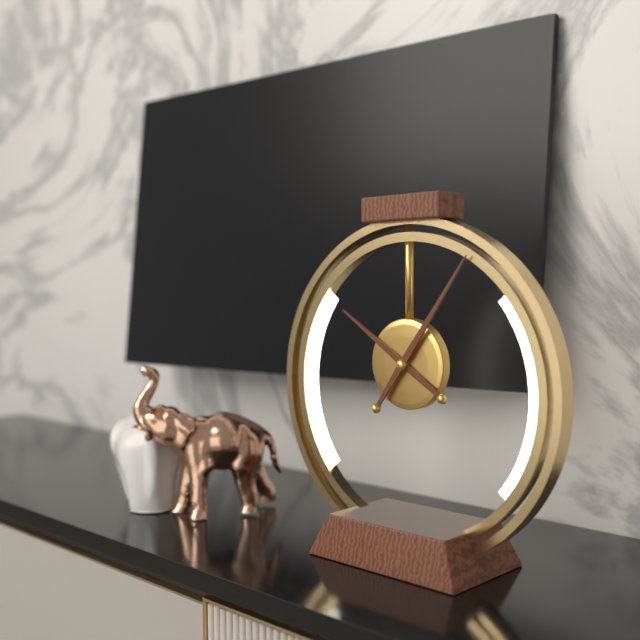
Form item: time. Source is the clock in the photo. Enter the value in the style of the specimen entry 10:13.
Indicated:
10:06
